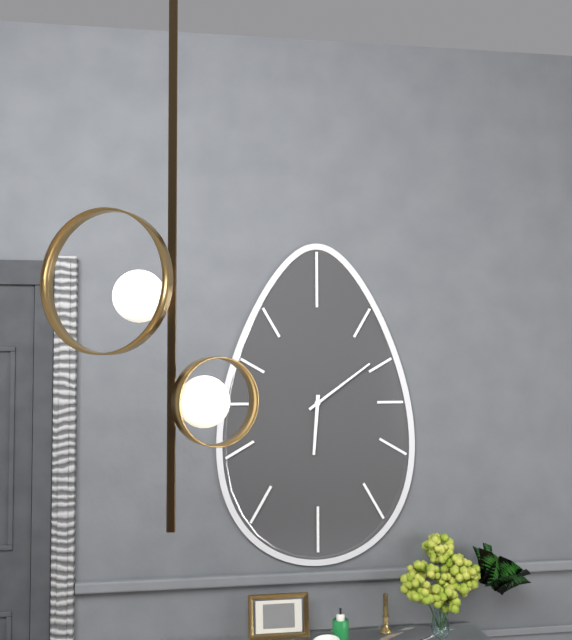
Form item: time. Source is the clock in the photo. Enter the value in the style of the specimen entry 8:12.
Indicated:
6:09
